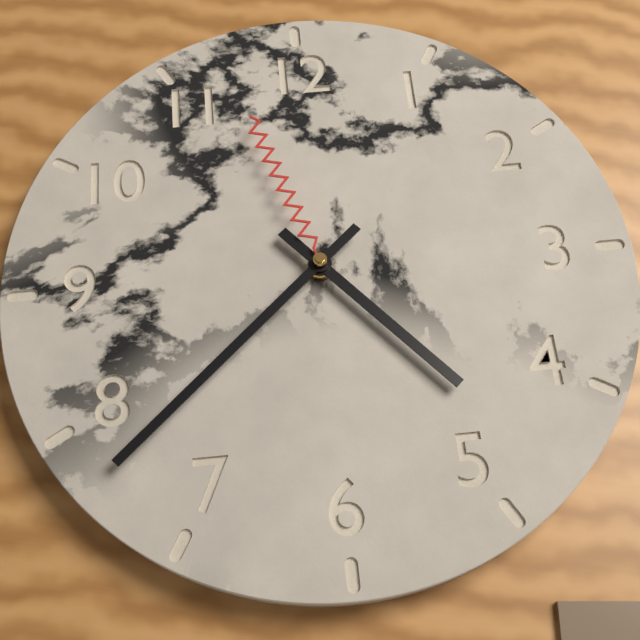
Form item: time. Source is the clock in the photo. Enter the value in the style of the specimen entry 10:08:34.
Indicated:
4:38:57
